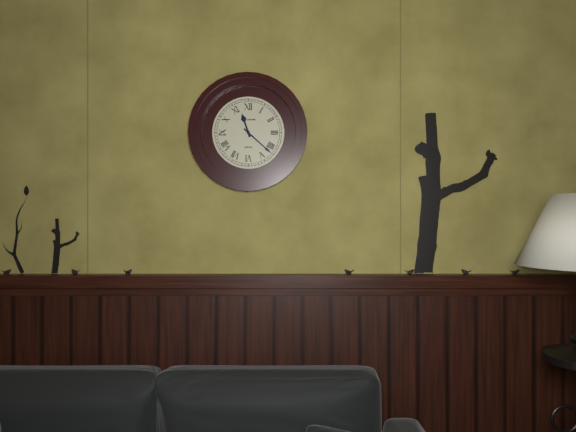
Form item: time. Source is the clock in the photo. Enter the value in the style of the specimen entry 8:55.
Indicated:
11:22
